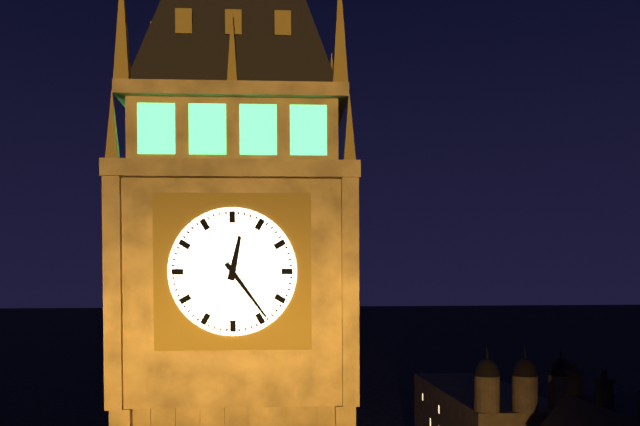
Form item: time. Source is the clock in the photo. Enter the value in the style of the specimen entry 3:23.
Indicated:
12:24
